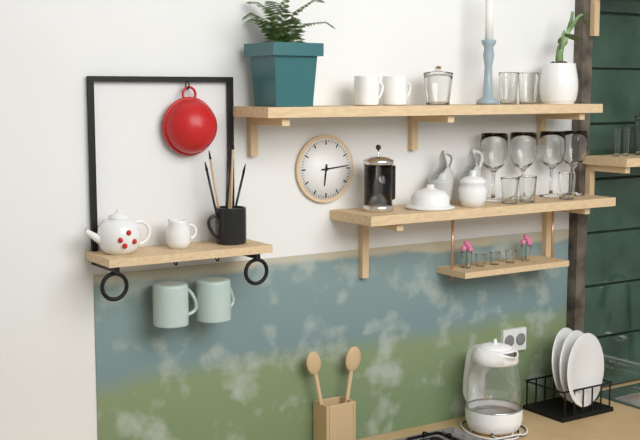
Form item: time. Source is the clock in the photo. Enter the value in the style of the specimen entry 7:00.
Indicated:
6:14
